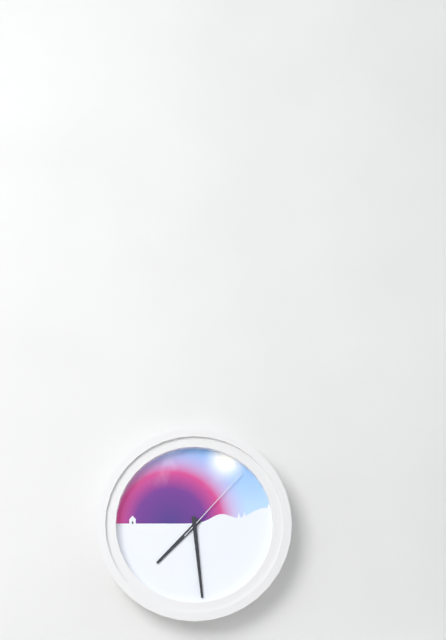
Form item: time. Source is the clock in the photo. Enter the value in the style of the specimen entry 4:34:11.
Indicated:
7:29:07
